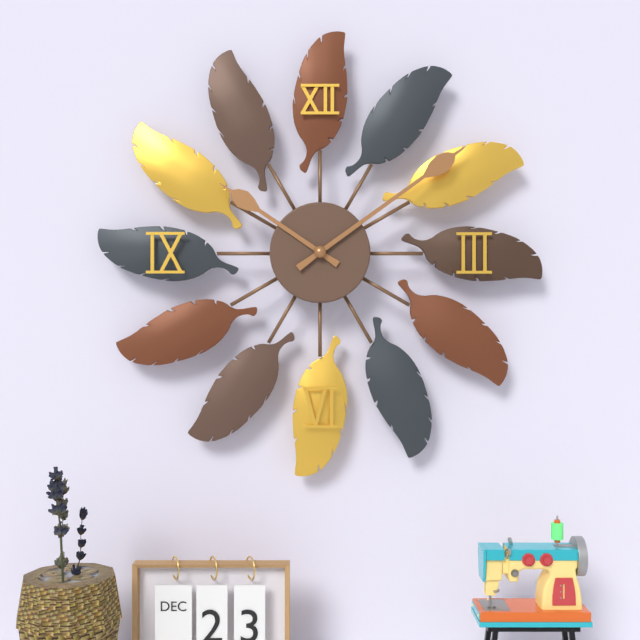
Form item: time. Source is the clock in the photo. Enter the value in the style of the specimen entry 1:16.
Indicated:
10:09
